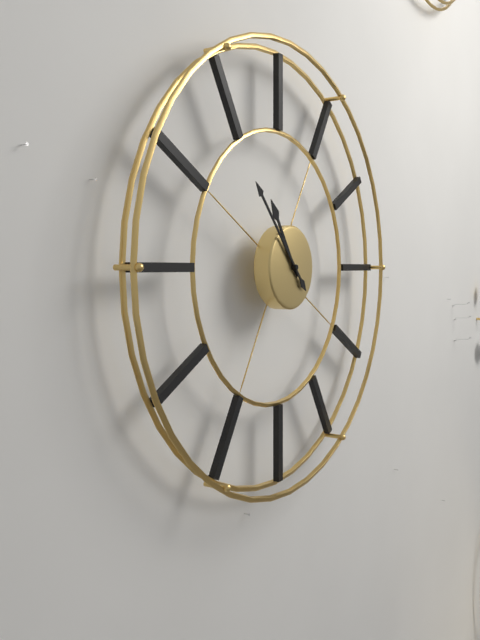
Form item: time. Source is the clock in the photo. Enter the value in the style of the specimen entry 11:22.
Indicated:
10:53
